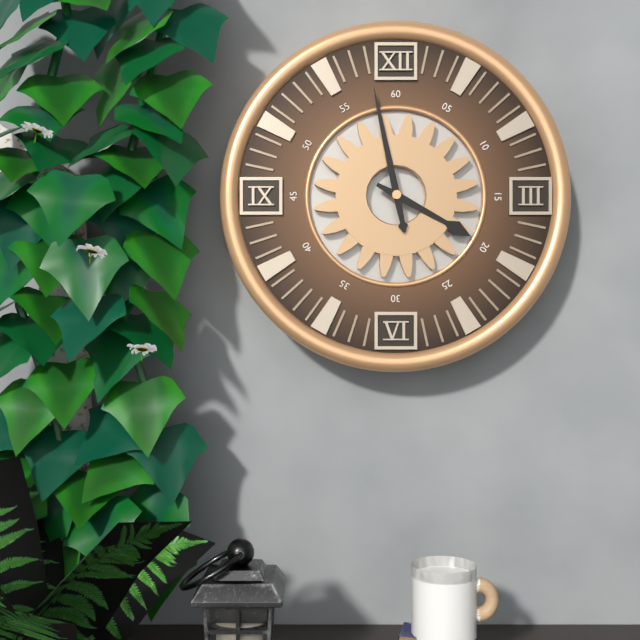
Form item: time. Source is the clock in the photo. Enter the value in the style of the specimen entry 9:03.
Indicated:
3:58
